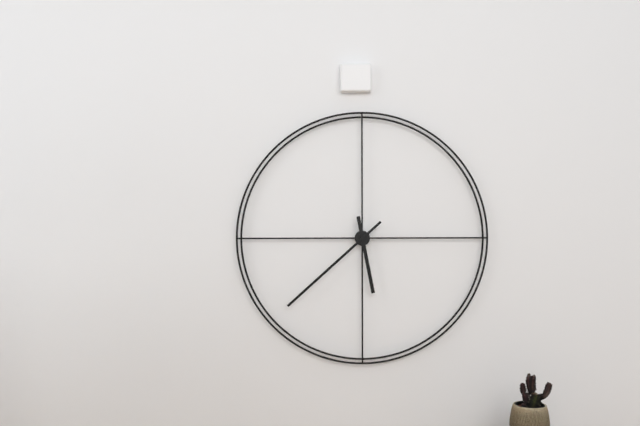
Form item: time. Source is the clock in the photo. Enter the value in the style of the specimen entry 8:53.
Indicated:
5:38
